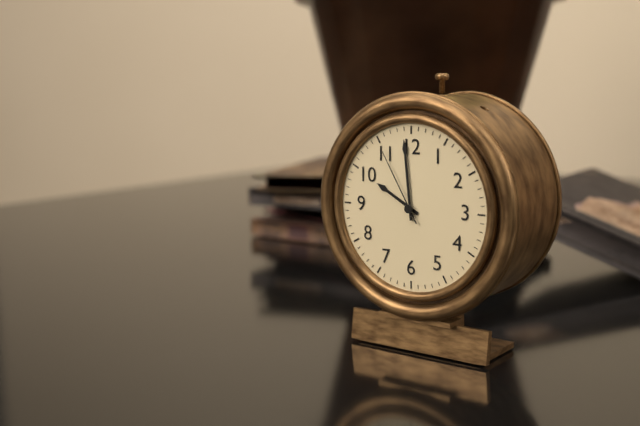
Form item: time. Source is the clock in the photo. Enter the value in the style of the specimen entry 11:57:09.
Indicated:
9:59:55
